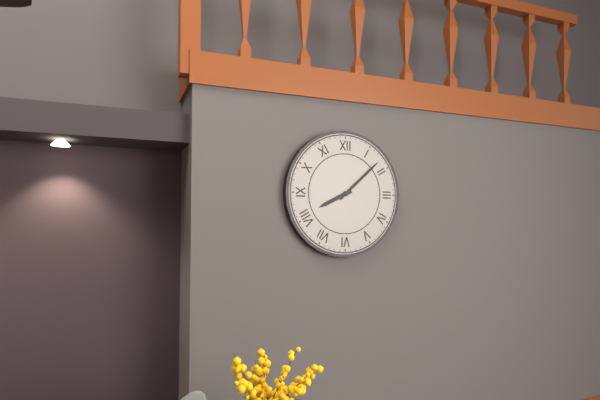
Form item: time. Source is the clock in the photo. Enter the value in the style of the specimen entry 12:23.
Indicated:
8:08
